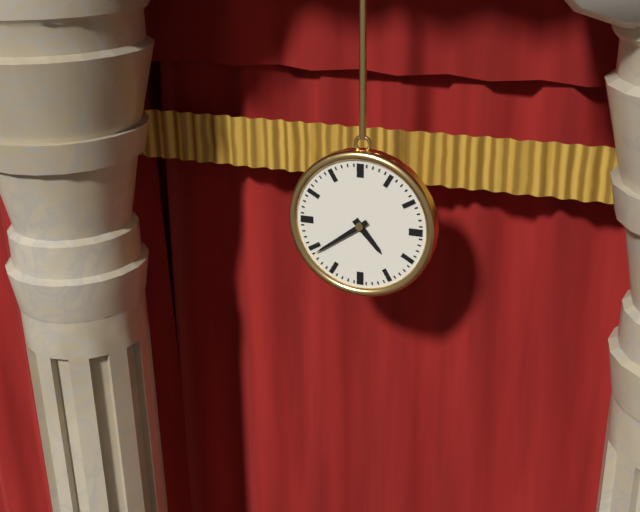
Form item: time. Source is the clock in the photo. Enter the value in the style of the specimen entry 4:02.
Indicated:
4:39
